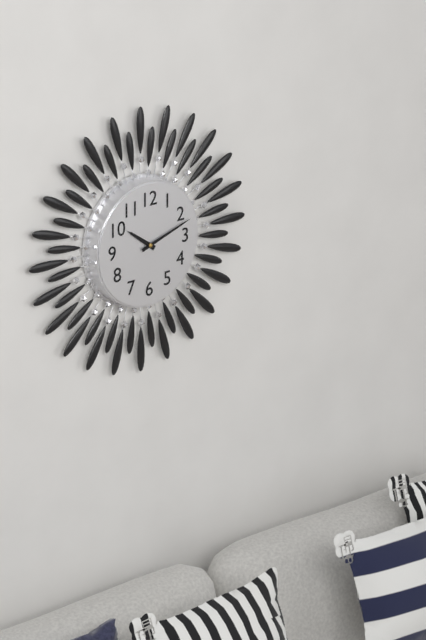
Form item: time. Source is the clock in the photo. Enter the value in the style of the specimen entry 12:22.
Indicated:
10:12
